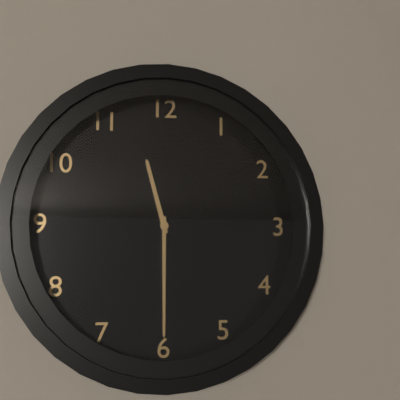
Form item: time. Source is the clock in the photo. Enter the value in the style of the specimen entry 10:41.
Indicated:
11:30
